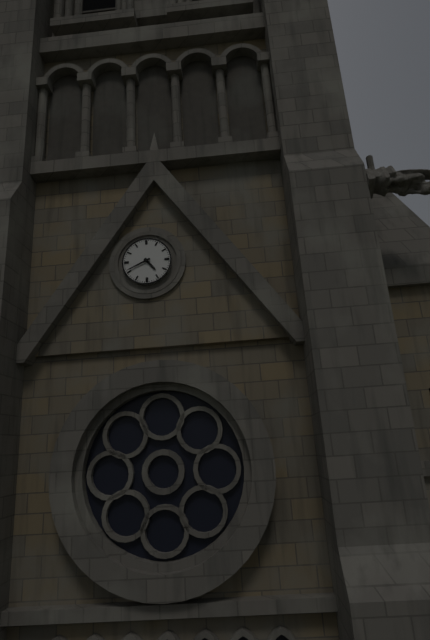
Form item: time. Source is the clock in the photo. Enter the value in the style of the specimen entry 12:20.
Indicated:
4:41
